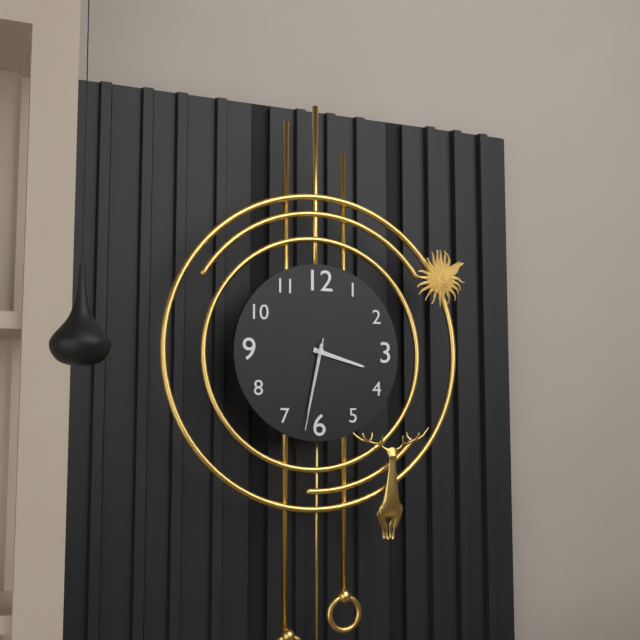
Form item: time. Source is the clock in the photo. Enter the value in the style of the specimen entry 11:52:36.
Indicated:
3:32:32
